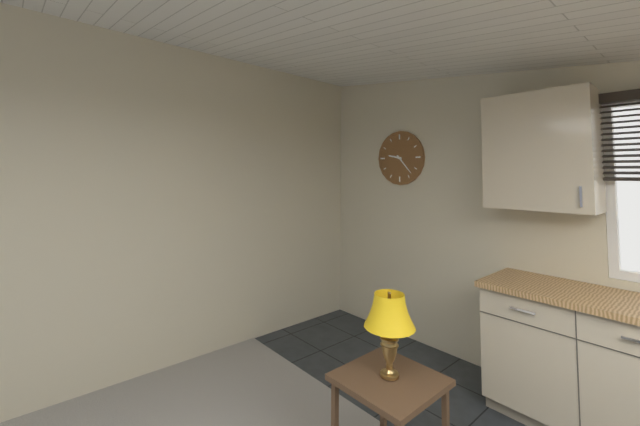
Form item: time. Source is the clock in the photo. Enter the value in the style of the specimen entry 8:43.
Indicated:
9:23
